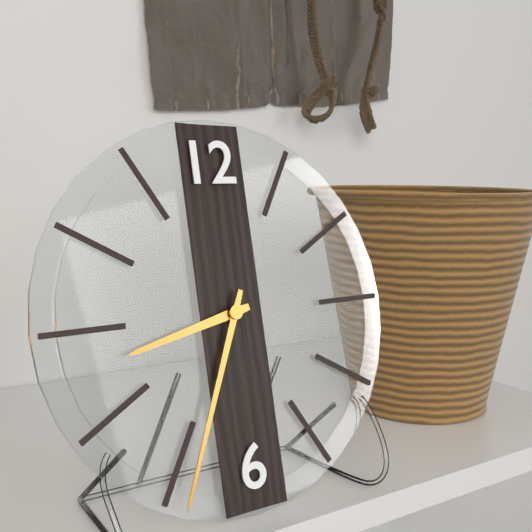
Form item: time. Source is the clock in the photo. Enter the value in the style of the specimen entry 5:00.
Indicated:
8:34
